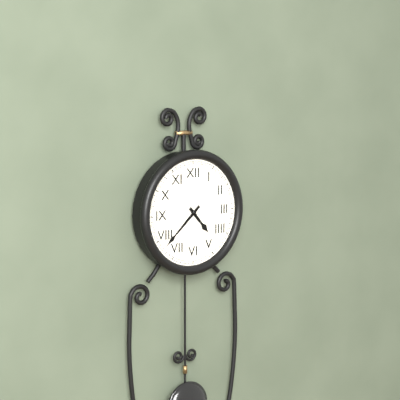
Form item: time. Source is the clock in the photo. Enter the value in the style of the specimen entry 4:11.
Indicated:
4:38
